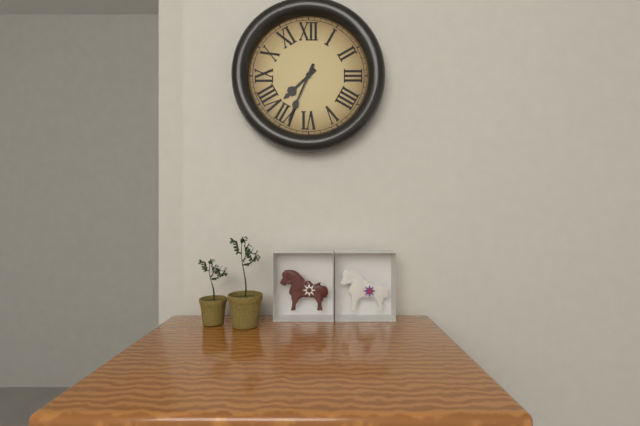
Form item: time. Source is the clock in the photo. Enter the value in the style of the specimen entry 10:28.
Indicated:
7:34
